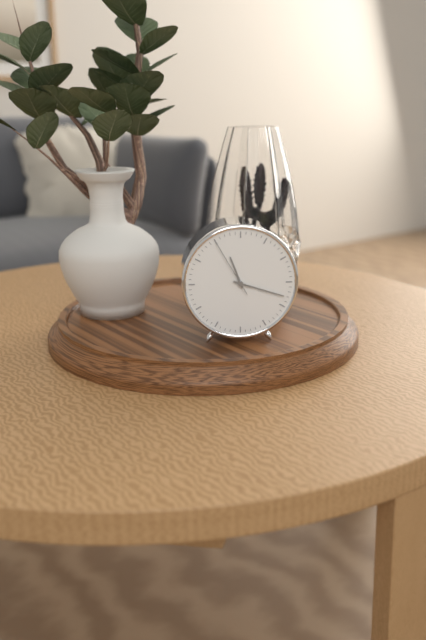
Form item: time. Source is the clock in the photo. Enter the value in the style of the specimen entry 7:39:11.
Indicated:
11:18:55
